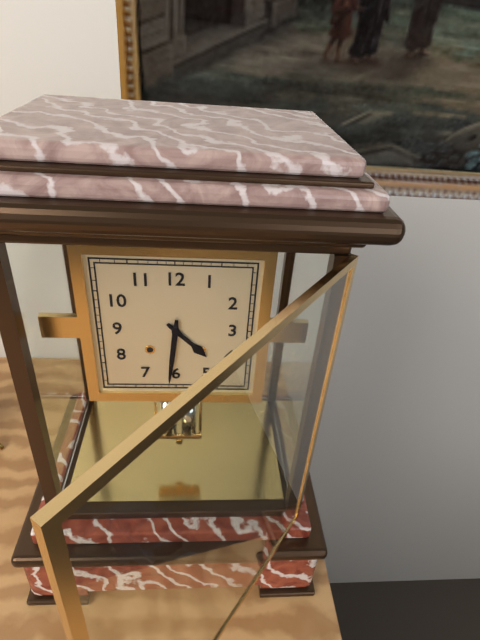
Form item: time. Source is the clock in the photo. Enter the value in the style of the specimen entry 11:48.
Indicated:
4:31
